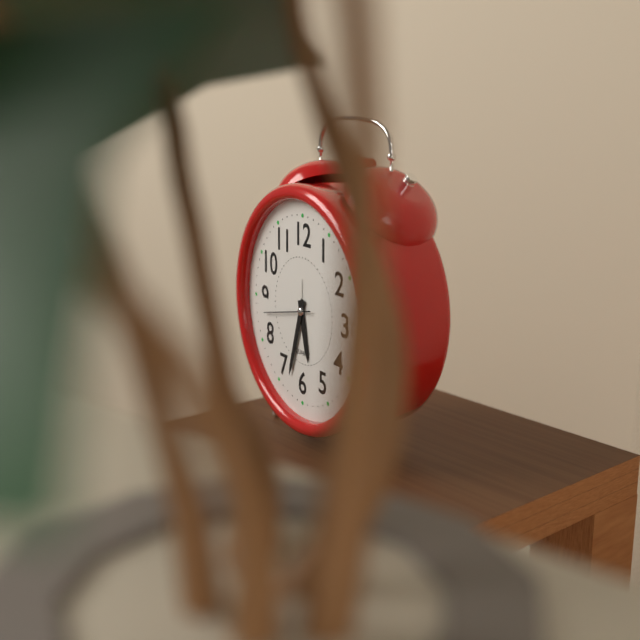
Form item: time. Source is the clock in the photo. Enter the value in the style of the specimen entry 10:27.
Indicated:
5:33
